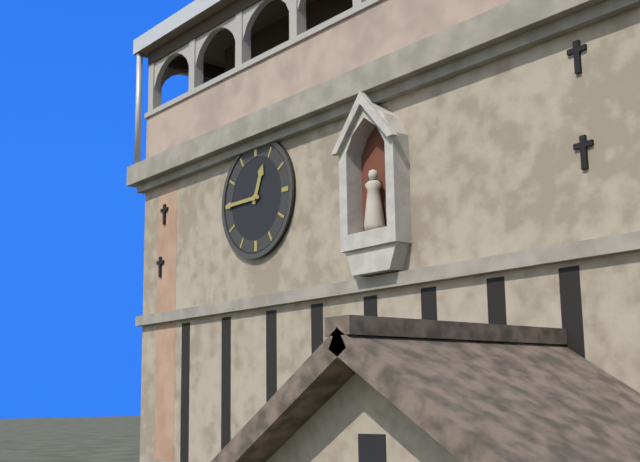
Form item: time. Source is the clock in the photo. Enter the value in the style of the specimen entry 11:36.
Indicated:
12:45
